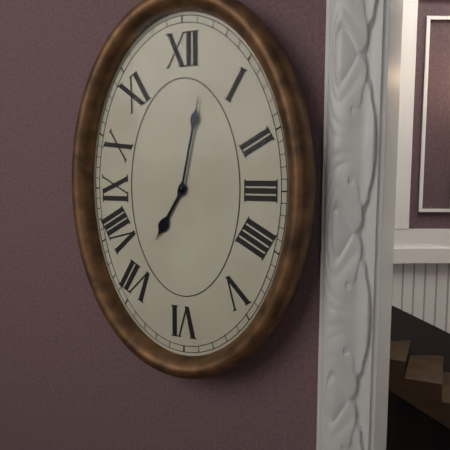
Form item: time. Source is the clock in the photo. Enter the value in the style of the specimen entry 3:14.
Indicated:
7:02
